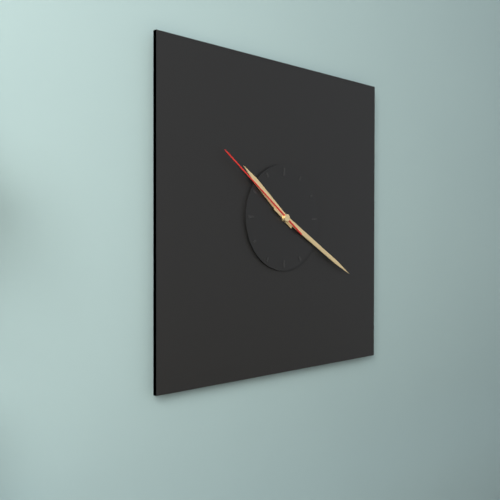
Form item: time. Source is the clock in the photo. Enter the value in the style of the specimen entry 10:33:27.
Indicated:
10:20:51
